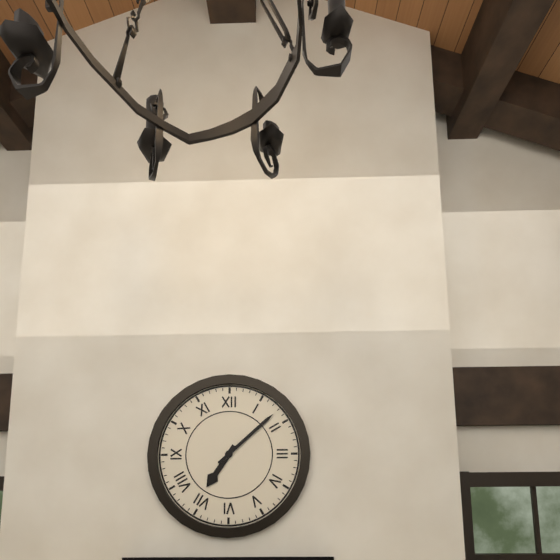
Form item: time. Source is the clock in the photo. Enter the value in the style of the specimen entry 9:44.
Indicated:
7:08
